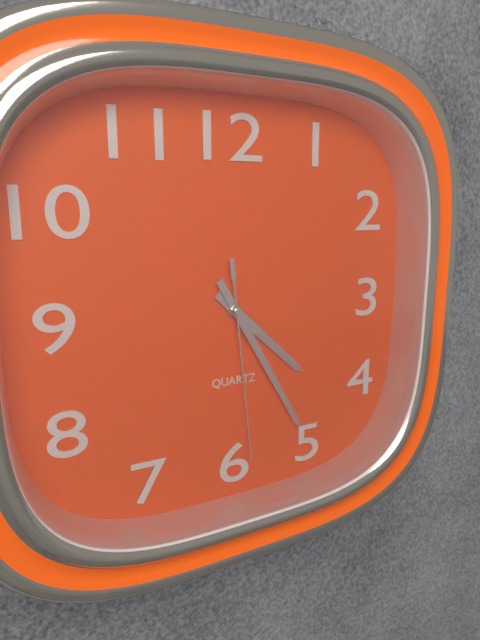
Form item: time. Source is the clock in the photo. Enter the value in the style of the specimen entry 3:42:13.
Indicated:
4:25:29
